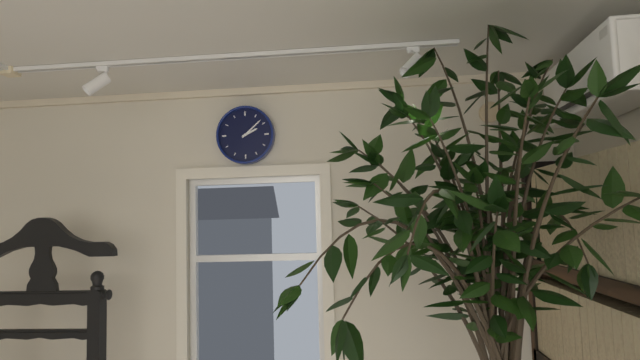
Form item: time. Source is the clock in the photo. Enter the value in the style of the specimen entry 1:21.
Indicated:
2:08
